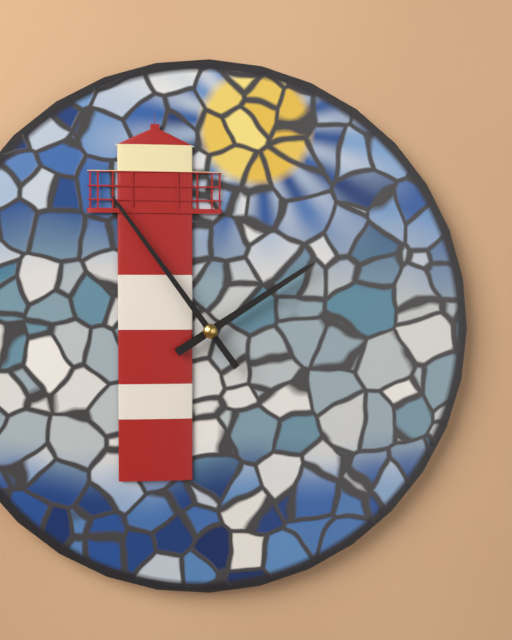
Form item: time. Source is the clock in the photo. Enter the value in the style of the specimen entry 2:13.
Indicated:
1:54
